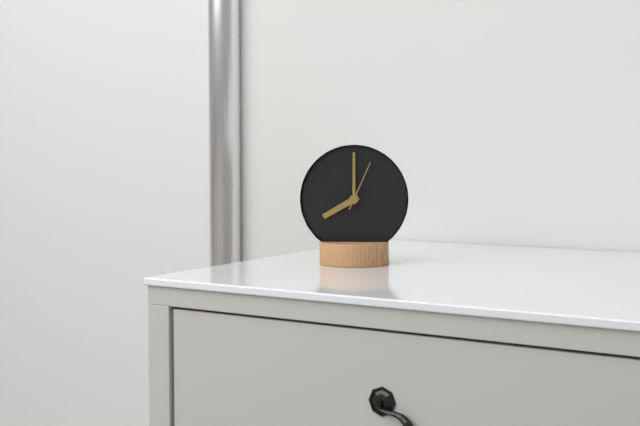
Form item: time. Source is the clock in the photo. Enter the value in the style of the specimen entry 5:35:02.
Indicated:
8:00:04
